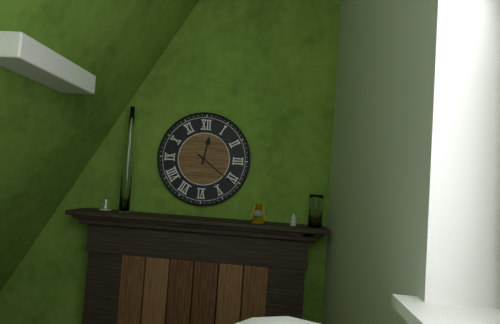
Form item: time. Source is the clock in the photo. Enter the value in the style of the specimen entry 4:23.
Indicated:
12:21
